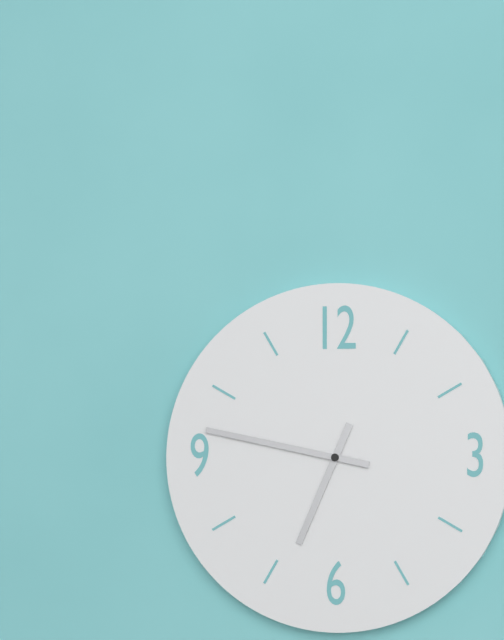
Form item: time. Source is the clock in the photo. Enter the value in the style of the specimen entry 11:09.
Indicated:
6:47
